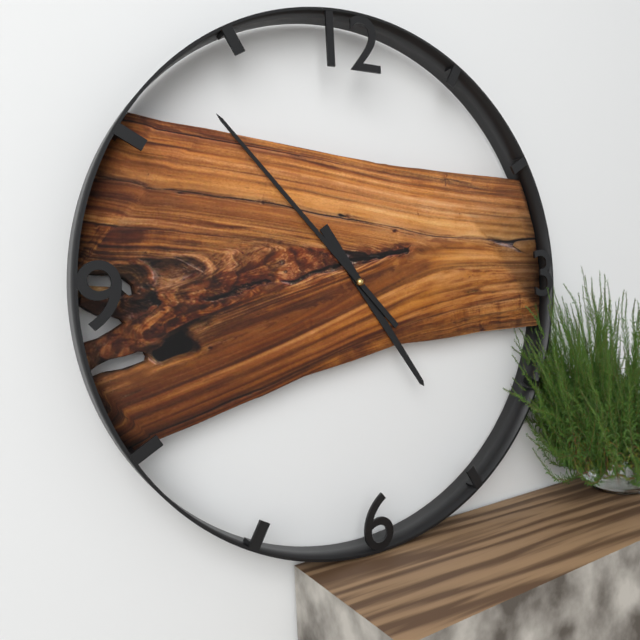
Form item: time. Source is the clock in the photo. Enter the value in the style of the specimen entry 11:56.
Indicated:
4:53
